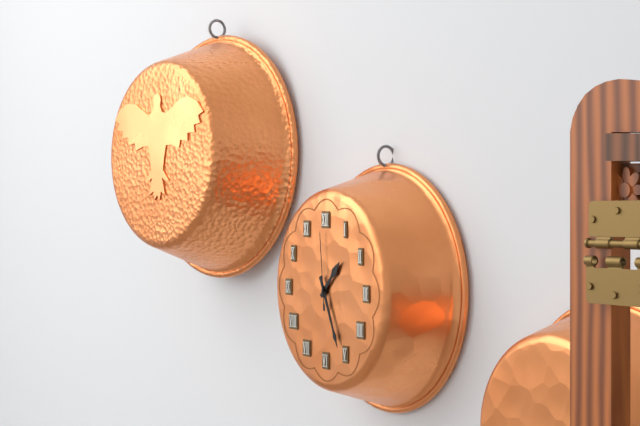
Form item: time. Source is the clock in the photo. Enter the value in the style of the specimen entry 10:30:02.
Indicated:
1:26:59
